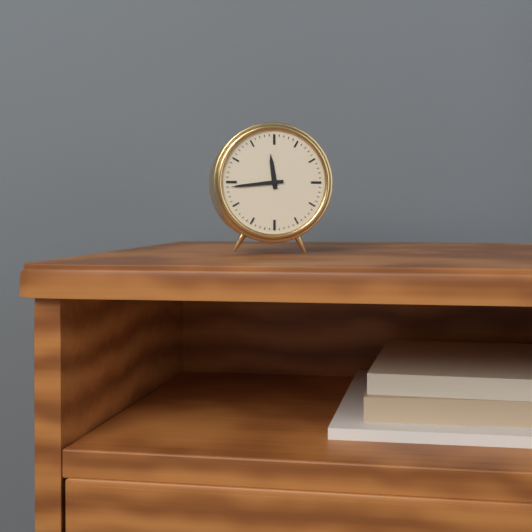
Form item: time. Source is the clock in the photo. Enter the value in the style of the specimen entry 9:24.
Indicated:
11:44
